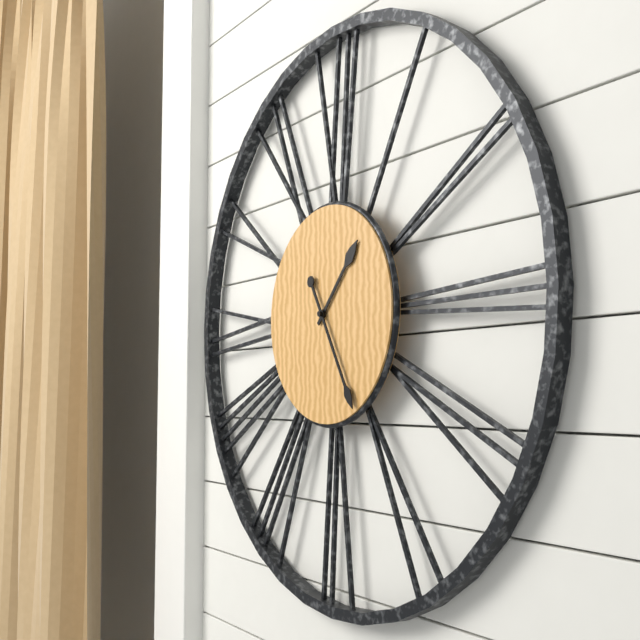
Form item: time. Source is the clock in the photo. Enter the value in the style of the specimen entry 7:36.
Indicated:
1:25
